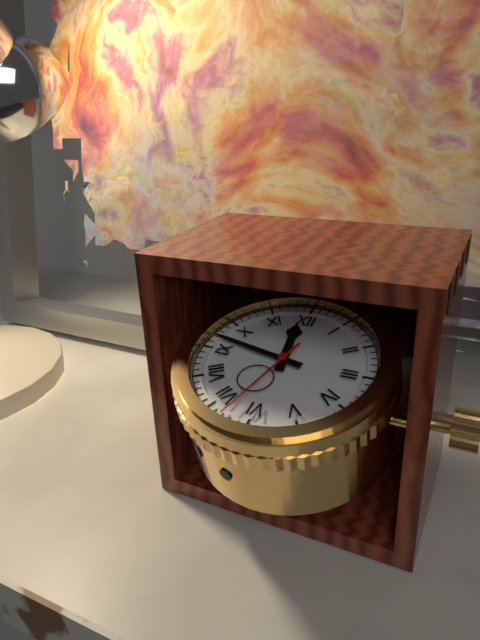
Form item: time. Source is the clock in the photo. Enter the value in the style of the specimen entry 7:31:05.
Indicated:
11:47:33
